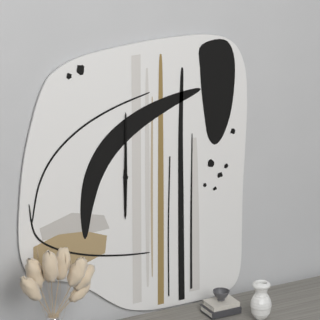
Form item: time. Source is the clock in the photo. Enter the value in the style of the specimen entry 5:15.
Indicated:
6:00
